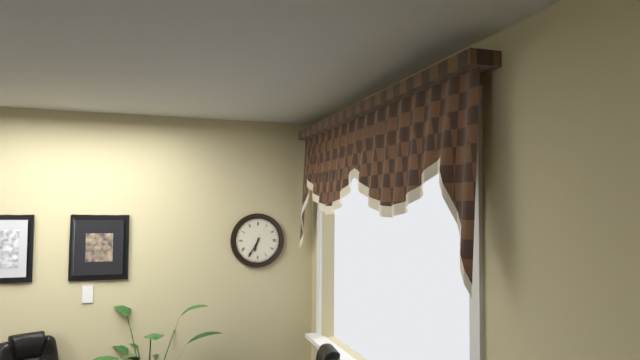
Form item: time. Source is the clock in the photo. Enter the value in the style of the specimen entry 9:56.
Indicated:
6:35
